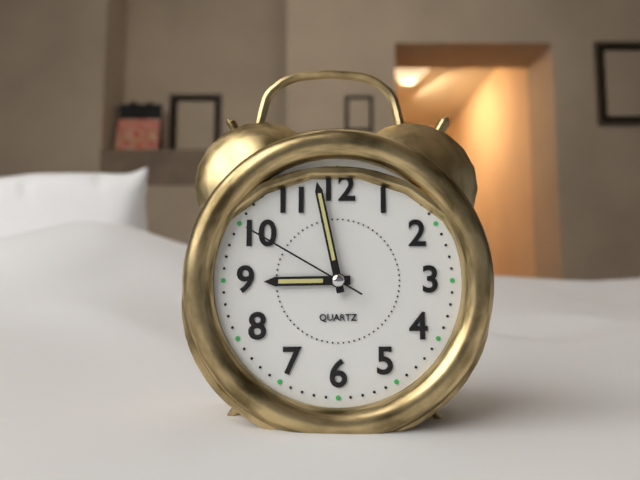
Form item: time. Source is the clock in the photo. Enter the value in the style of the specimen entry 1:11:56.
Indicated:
8:58:50
